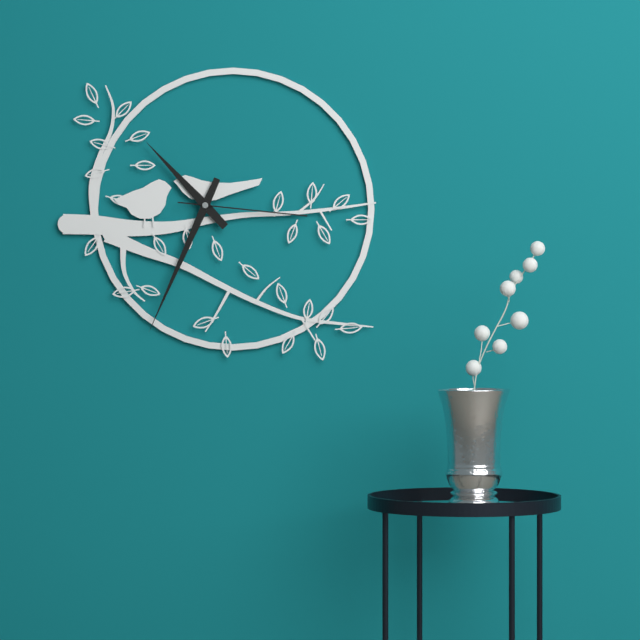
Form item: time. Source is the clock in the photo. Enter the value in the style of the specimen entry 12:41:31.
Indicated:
10:34:16
